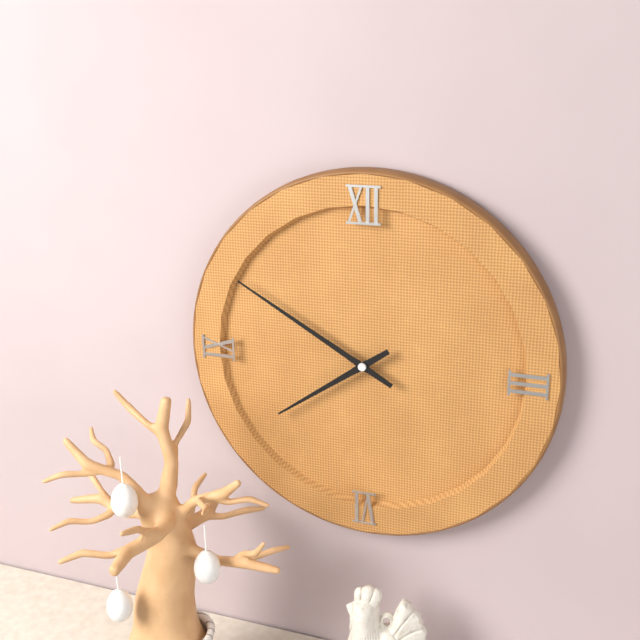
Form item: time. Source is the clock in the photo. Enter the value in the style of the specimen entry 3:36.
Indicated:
7:50
